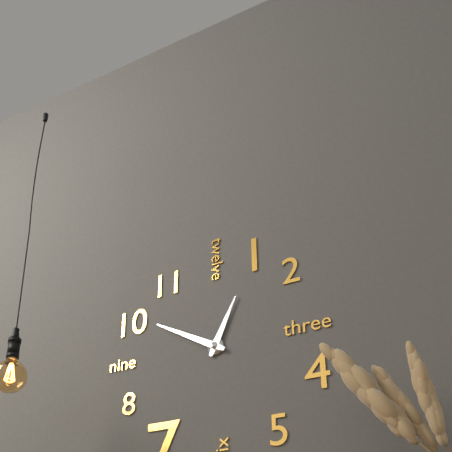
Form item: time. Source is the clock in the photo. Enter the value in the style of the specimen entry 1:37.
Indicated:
12:50
